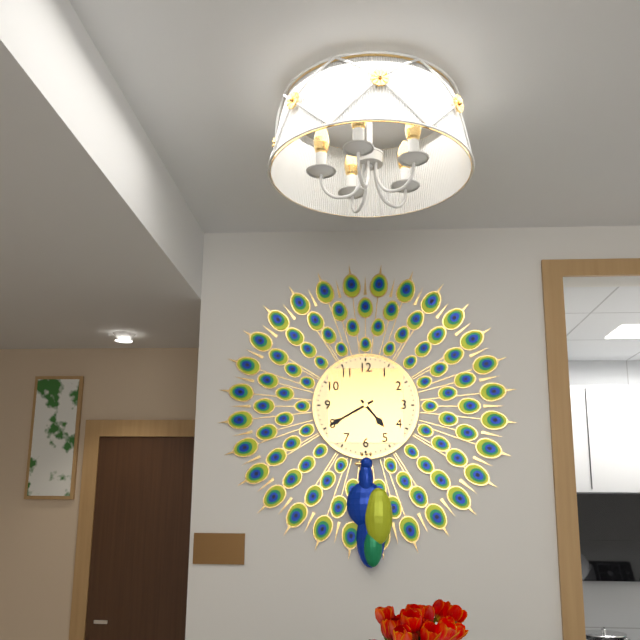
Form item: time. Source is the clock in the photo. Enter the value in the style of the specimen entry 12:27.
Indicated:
4:40
